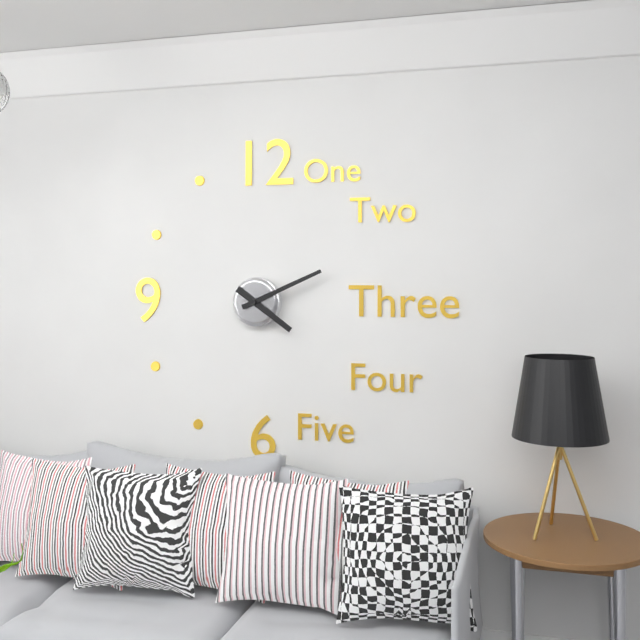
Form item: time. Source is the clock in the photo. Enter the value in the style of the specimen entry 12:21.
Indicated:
4:11
